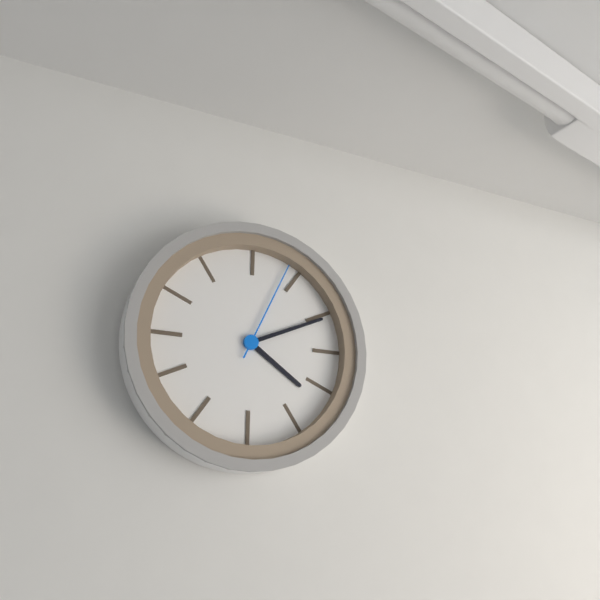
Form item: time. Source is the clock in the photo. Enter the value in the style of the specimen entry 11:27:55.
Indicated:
4:11:04
